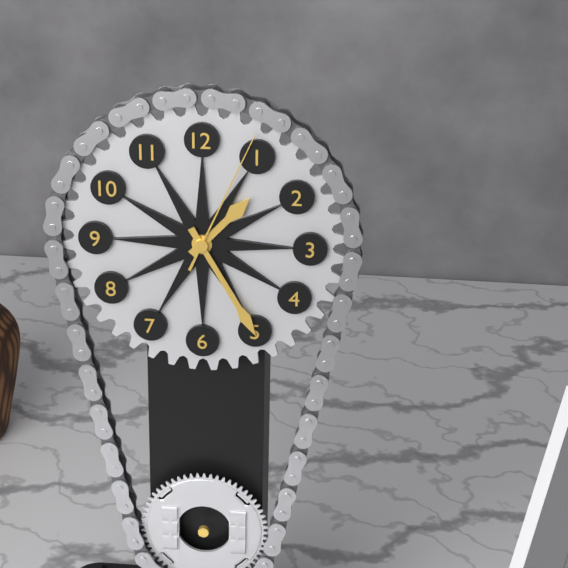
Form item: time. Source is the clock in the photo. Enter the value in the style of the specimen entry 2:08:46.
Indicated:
1:25:04
